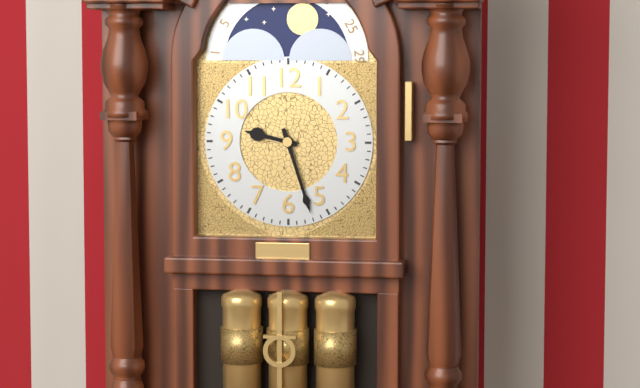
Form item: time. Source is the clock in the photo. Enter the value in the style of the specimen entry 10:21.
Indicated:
9:27
